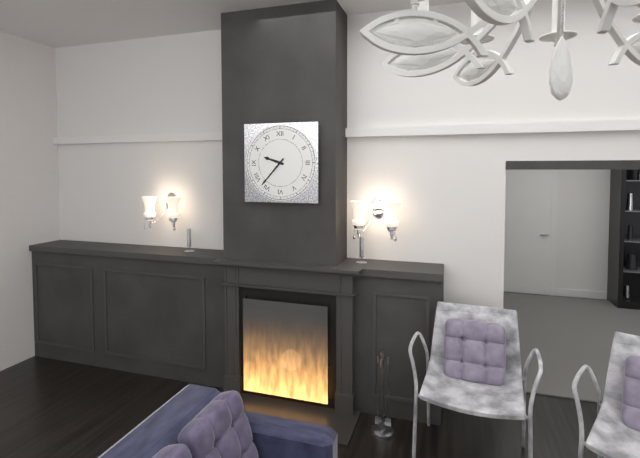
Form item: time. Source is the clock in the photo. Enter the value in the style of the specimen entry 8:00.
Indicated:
9:37
